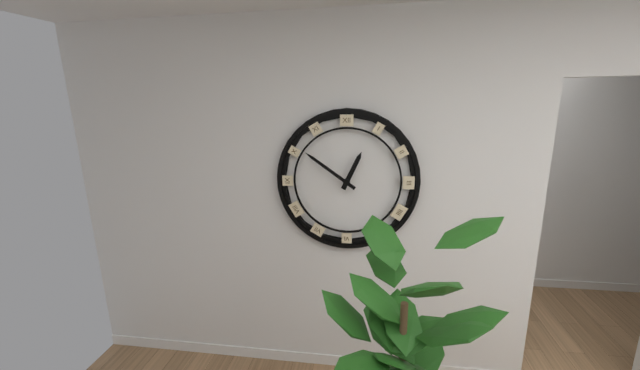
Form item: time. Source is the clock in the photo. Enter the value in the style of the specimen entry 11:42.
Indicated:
12:51
